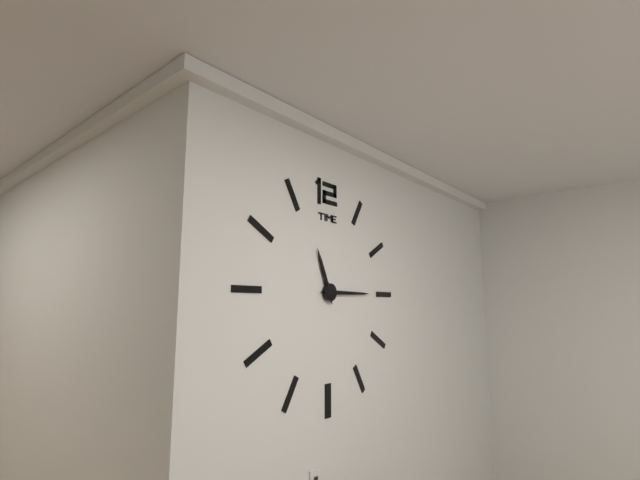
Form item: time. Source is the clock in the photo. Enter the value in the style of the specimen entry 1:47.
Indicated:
11:15
